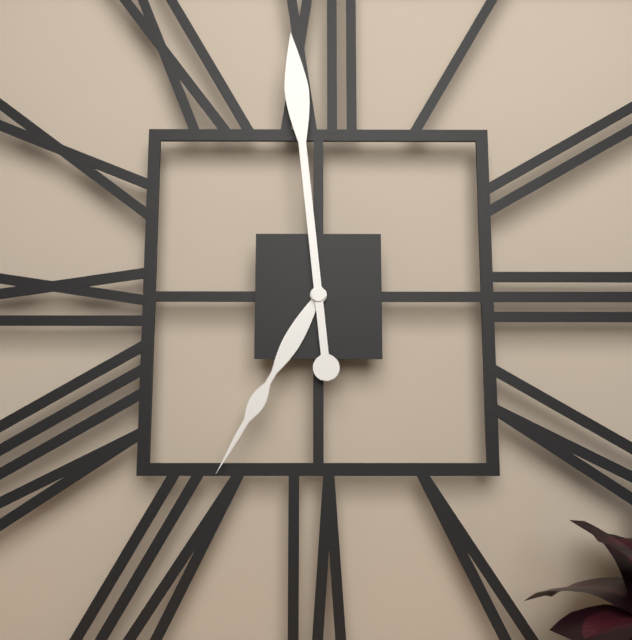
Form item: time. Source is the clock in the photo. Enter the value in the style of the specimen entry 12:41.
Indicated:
6:59
